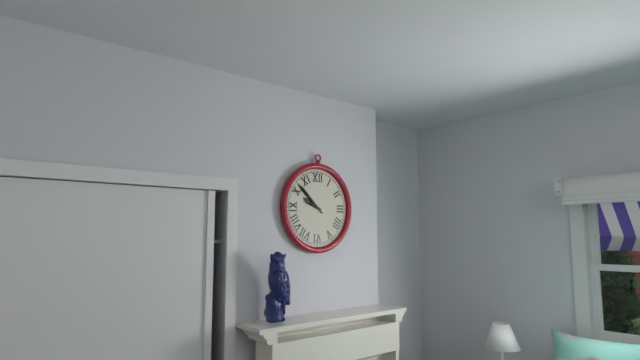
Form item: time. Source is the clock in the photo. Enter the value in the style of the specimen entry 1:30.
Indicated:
9:52
